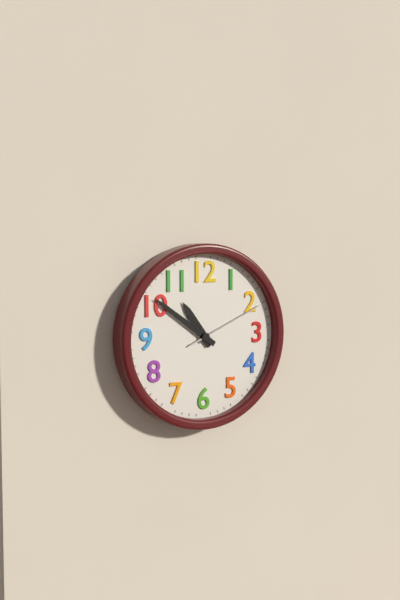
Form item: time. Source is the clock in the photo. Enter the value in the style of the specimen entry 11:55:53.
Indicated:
10:51:11
